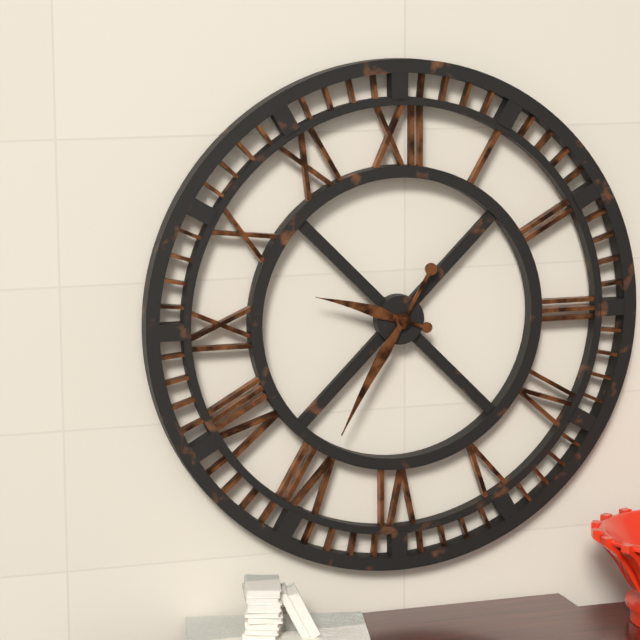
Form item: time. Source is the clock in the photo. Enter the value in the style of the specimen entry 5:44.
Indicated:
9:35
